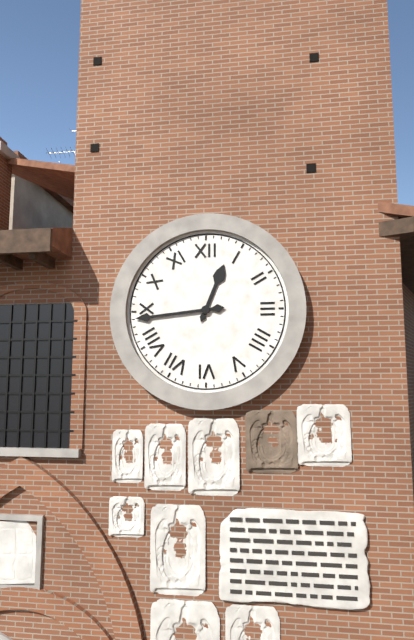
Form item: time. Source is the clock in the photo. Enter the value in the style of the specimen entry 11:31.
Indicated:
12:44
